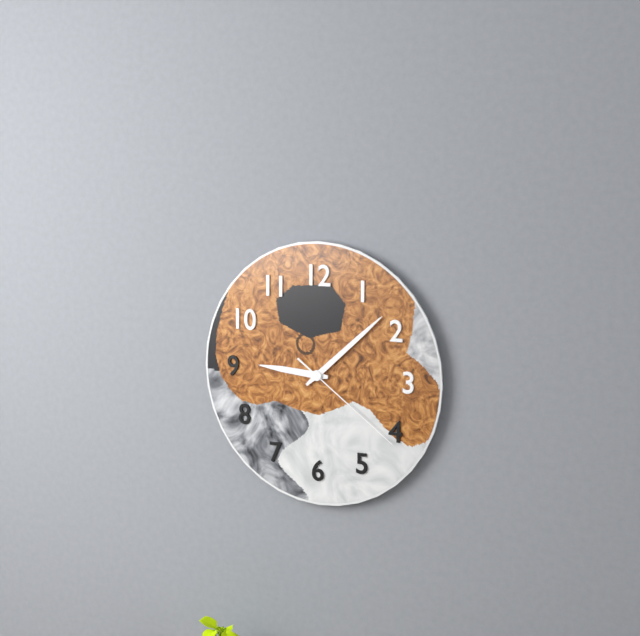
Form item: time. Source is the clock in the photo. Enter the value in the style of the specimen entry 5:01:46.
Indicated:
9:08:21
